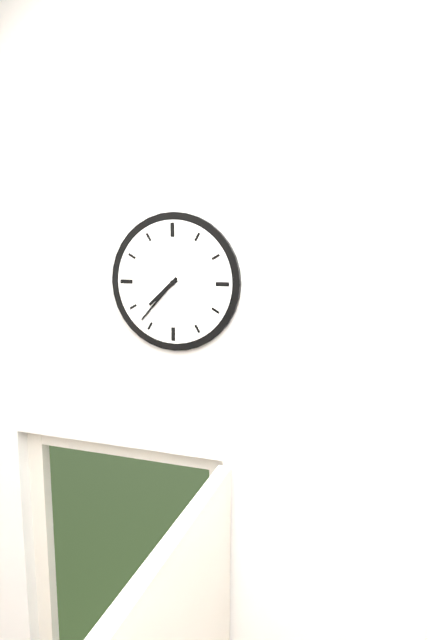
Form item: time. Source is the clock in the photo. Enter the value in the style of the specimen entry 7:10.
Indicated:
7:37
